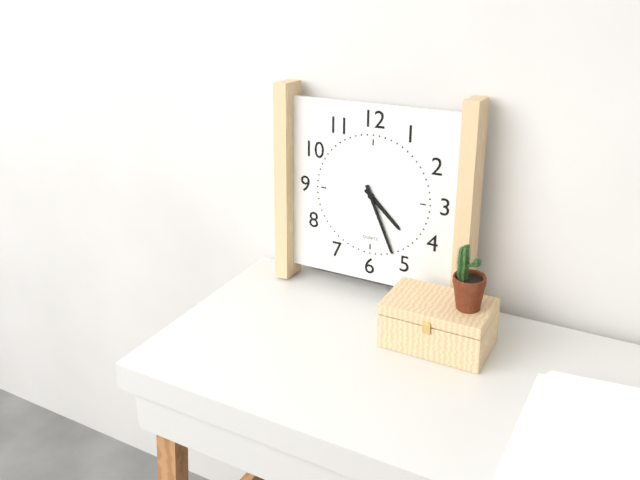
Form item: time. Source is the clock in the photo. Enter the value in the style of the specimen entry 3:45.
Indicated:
4:26
